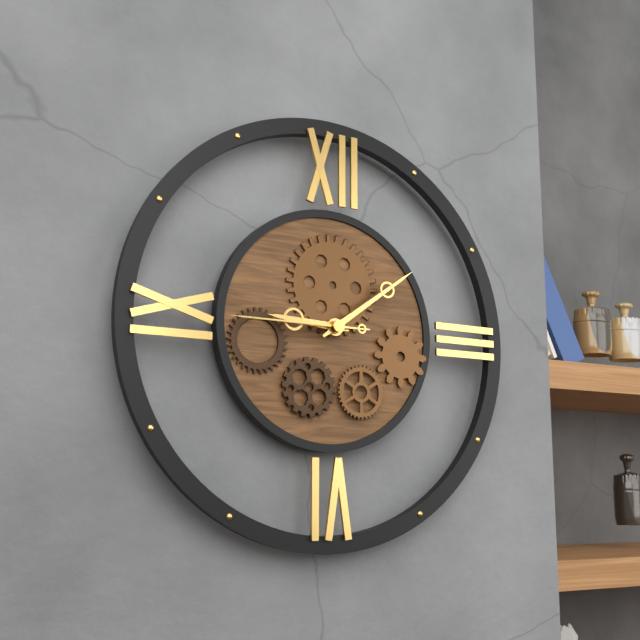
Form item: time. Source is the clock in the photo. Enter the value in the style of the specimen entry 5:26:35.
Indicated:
9:09:45
